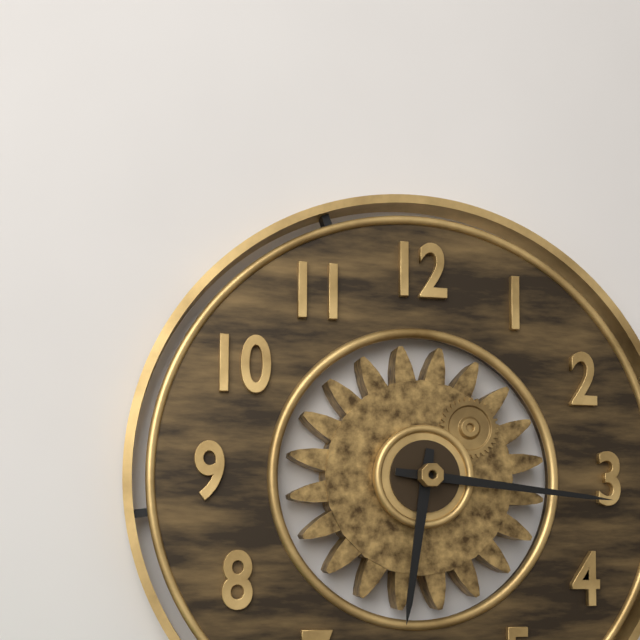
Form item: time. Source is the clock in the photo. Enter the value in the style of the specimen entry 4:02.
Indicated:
6:16
